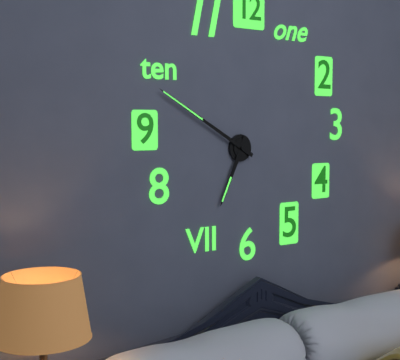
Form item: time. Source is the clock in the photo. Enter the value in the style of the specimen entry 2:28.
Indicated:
6:50
